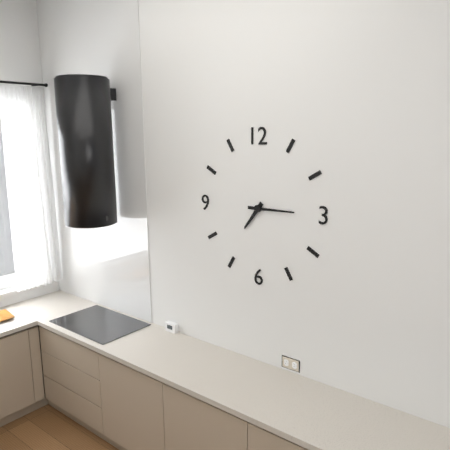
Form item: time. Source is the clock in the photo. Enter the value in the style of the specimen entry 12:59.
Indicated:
7:15
